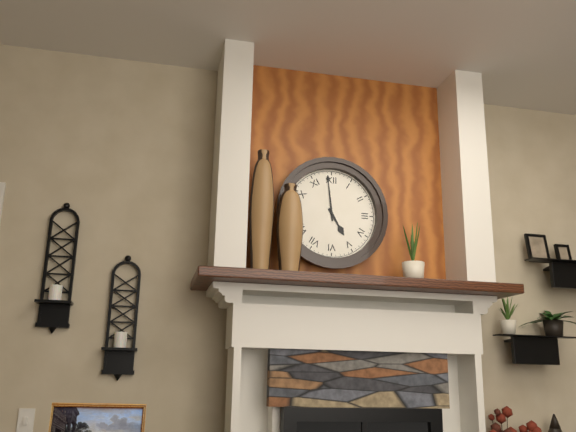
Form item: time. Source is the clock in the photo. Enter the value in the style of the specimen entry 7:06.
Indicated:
4:59
